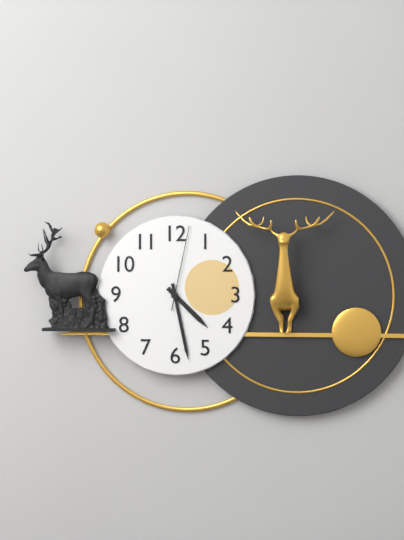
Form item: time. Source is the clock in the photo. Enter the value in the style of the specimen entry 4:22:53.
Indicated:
4:28:02
